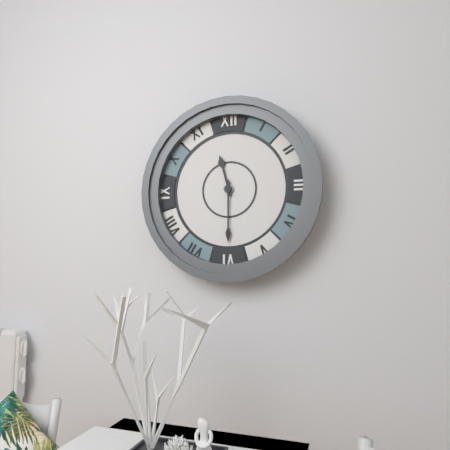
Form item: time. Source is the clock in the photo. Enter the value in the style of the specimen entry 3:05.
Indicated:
11:30
